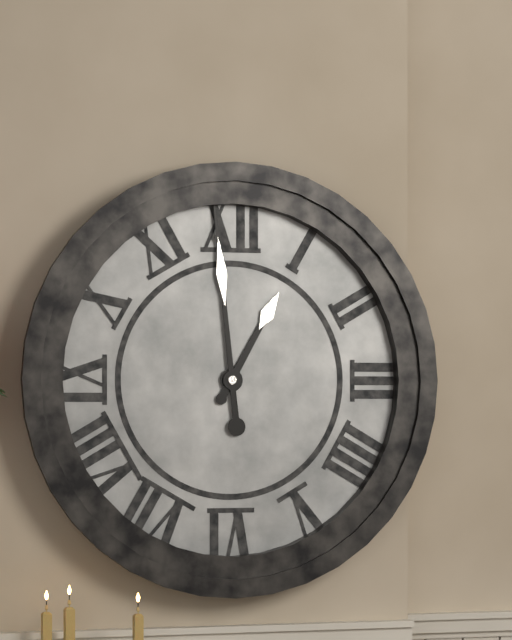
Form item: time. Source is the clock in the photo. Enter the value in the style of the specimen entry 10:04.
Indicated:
12:59
